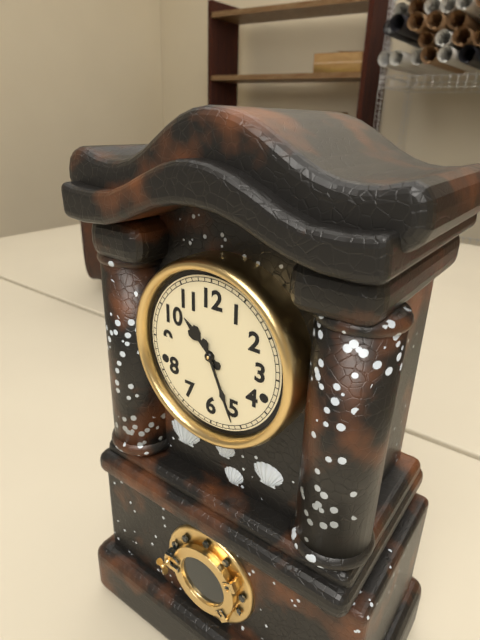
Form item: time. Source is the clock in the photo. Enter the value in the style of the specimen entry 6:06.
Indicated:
10:26
